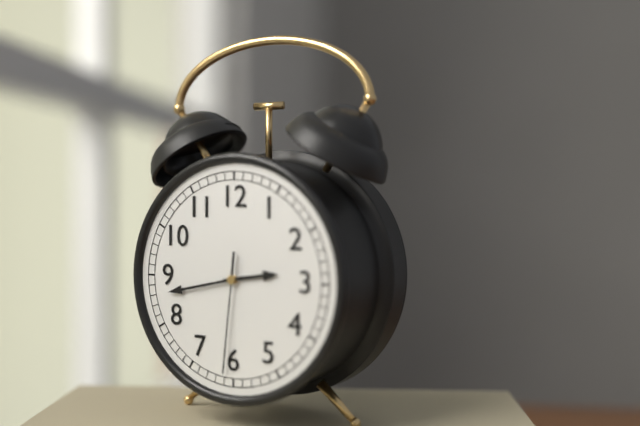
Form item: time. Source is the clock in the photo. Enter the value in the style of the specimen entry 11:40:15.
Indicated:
2:43:31
